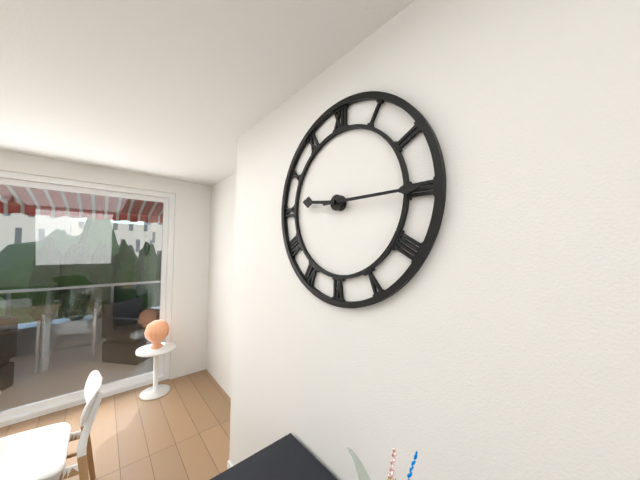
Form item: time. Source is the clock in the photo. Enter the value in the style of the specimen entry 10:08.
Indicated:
9:15
